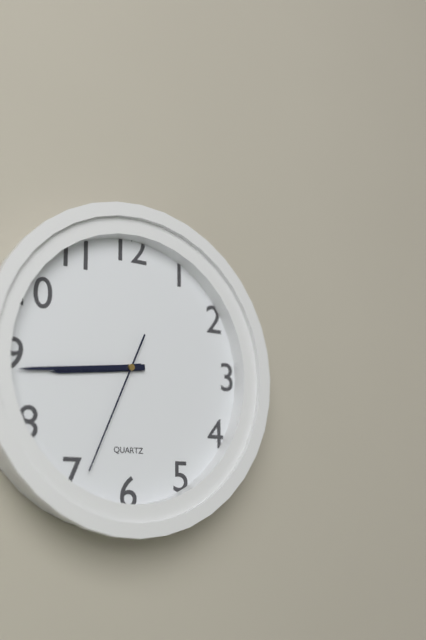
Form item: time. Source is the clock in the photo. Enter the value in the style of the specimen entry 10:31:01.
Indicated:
8:44:34
